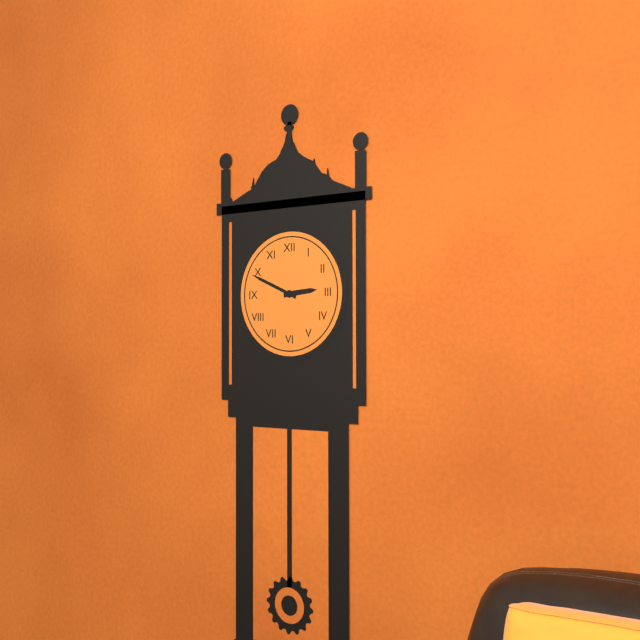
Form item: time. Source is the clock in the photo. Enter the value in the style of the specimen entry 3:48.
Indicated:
2:49
